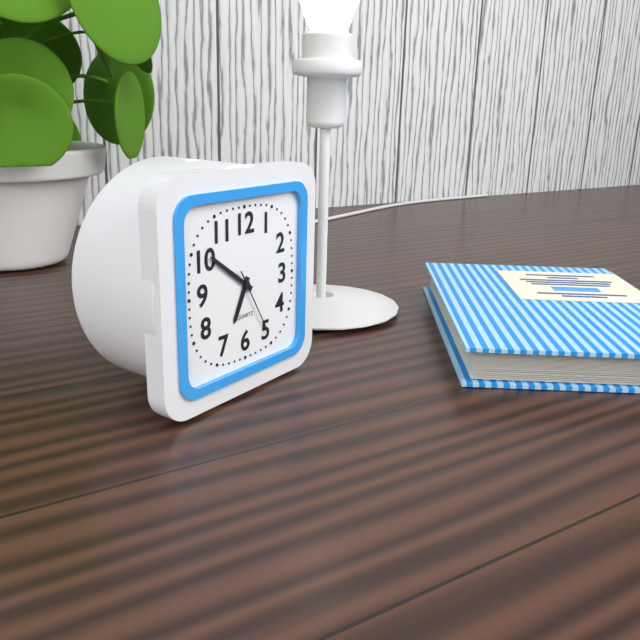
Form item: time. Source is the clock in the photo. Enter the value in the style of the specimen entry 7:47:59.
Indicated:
6:51:25
